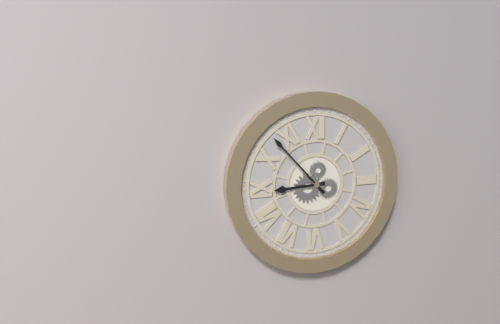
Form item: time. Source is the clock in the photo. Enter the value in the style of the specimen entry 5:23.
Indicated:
8:53
